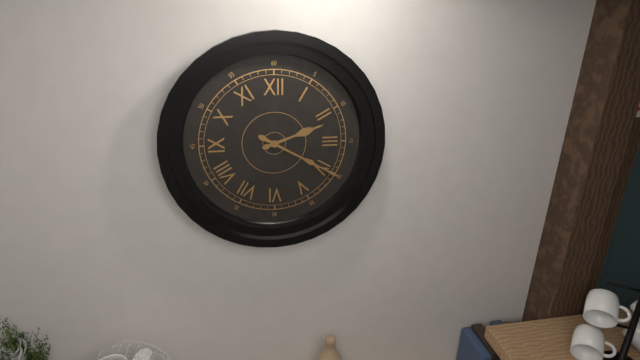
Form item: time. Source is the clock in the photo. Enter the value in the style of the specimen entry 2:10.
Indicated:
2:20
